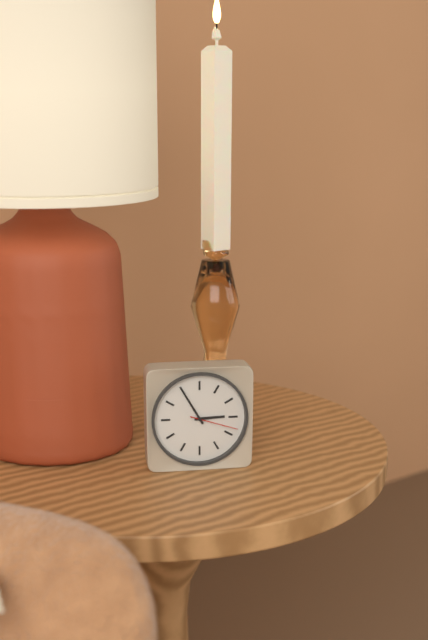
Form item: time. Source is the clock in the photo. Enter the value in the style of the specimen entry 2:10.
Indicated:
2:55
